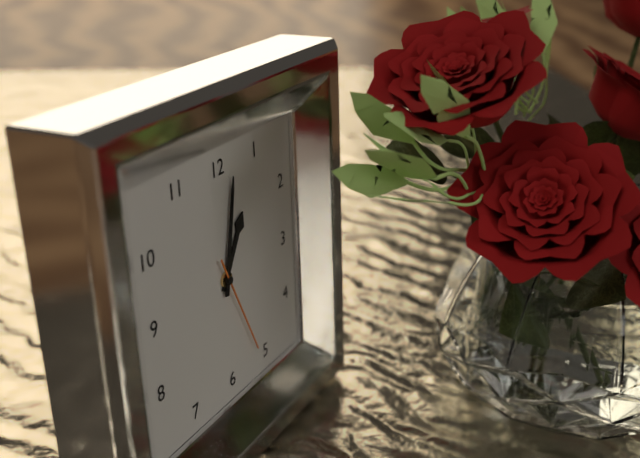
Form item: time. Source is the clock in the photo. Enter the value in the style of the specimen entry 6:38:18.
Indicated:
1:02:26
